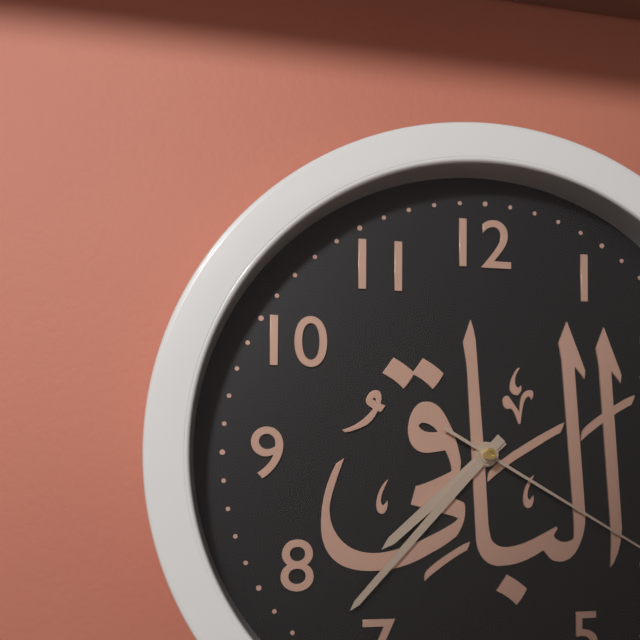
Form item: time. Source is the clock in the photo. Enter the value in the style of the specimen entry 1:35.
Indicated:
7:37
